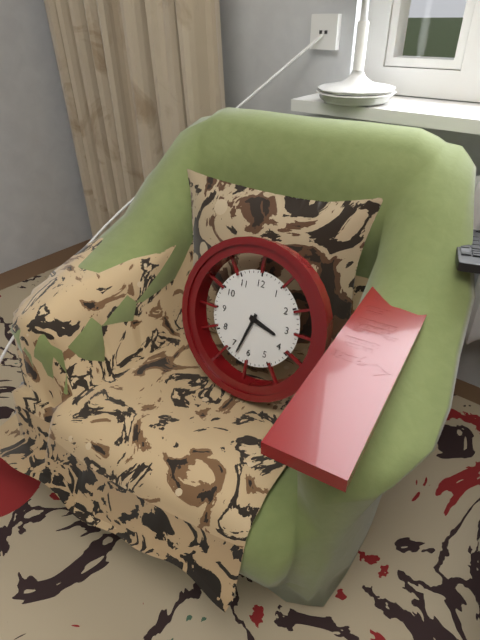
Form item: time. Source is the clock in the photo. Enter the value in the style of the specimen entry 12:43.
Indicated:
3:33
